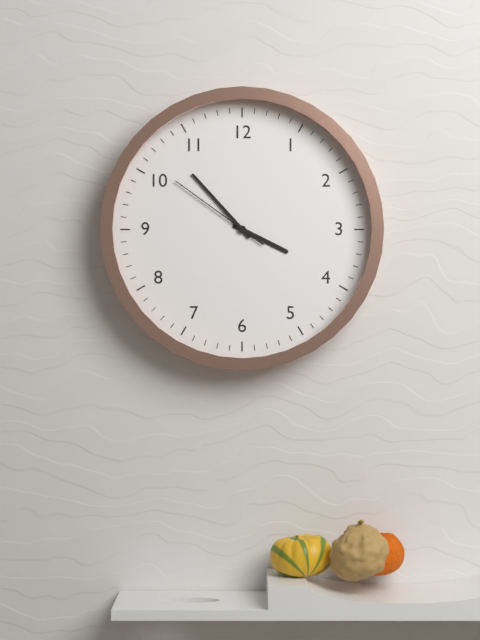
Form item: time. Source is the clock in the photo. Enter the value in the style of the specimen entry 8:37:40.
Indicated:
3:53:51
